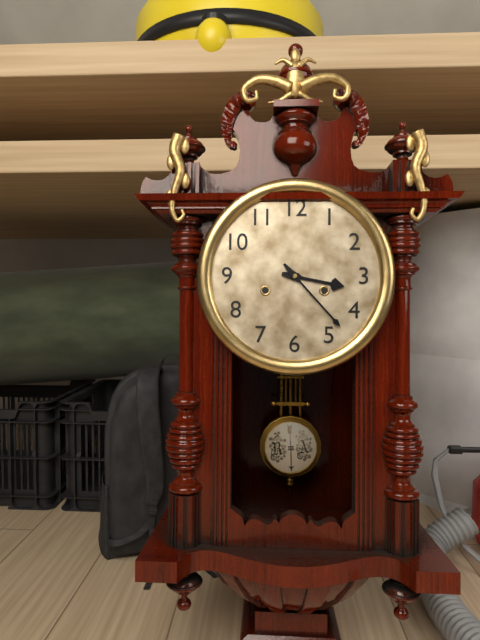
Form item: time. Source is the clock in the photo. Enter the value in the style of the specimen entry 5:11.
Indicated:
3:23
